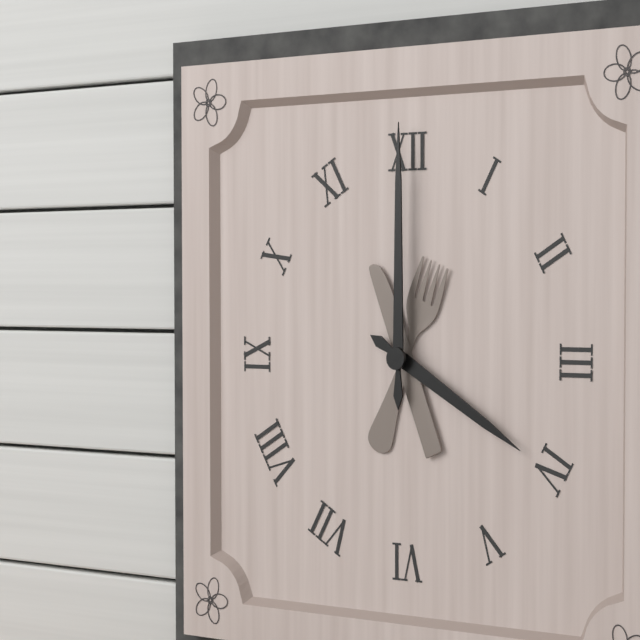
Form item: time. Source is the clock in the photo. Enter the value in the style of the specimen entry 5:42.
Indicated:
4:00
